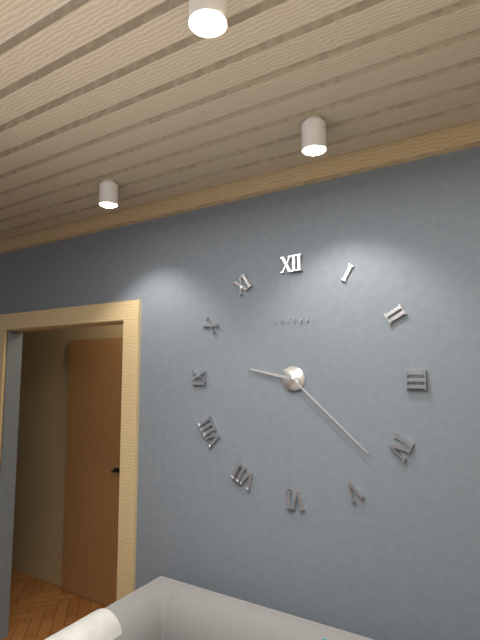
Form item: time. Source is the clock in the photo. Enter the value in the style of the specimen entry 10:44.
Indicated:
9:22
